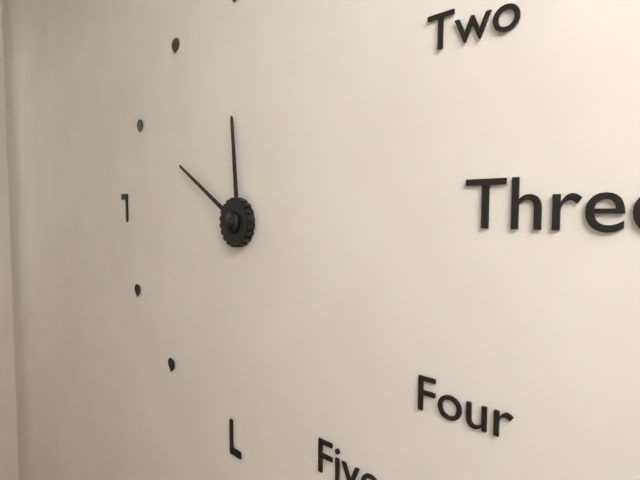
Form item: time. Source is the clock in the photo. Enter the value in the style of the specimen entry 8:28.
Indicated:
11:50
